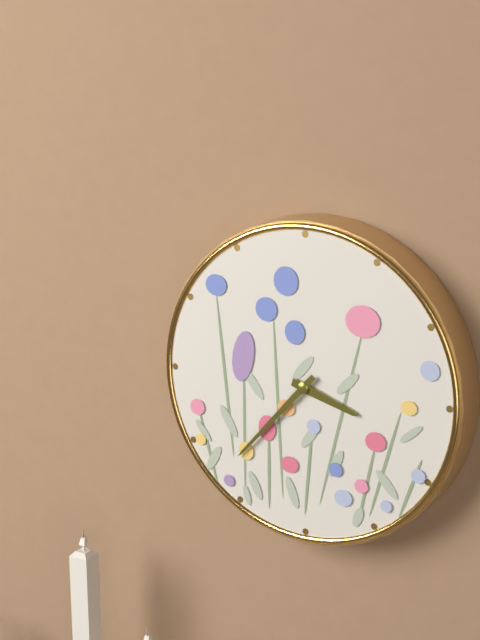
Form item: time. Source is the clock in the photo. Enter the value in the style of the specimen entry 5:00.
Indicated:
3:37
